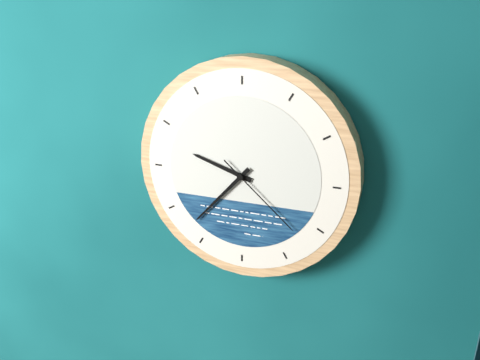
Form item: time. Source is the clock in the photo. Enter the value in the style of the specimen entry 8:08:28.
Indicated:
9:37:22
